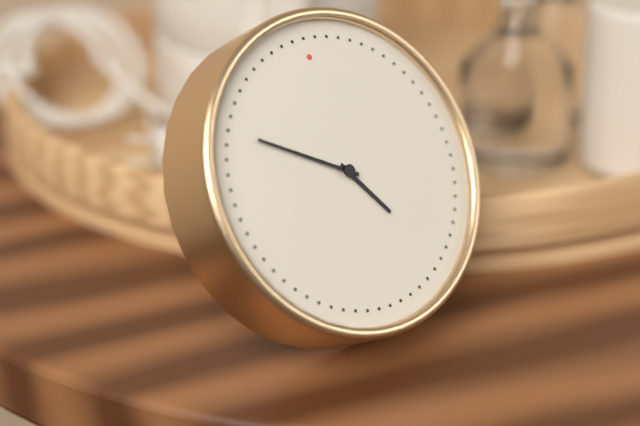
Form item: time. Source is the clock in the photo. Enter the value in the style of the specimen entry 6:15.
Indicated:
4:50
